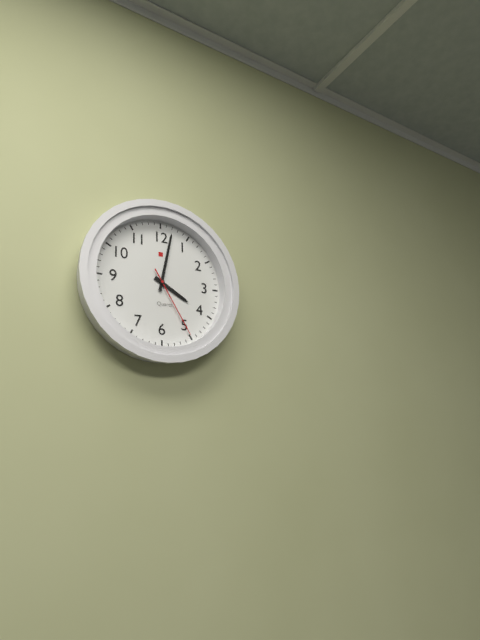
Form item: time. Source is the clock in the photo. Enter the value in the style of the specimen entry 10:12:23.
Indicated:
4:02:25
